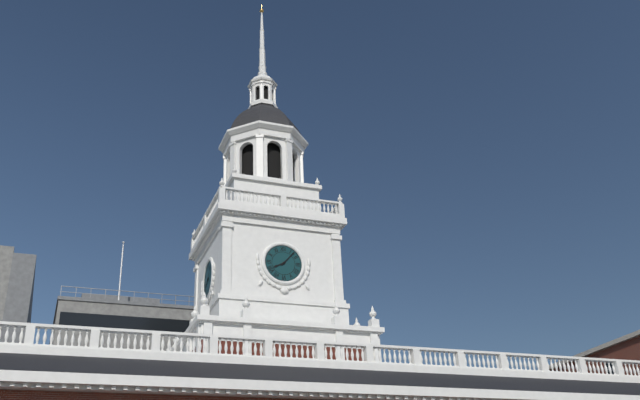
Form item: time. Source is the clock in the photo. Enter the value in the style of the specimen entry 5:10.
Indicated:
8:07
